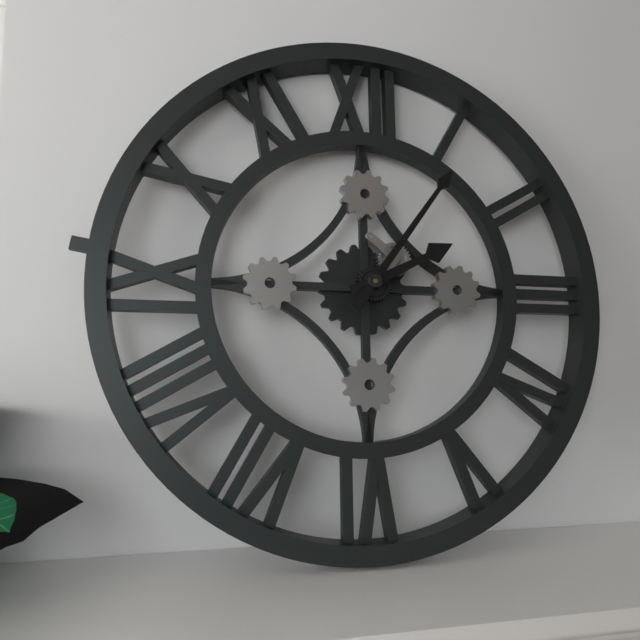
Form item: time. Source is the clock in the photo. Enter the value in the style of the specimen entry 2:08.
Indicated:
2:06
